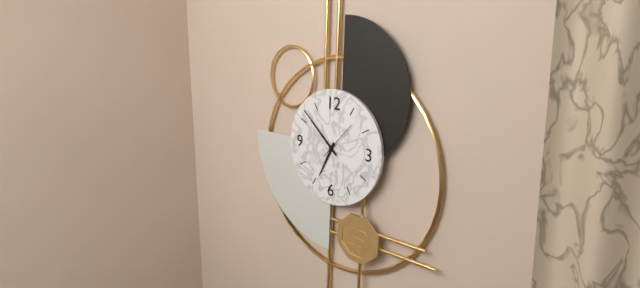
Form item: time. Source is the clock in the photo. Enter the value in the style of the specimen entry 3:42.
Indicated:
6:52
